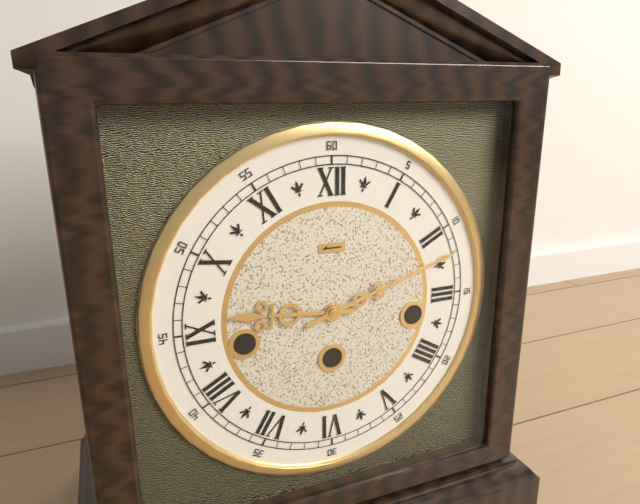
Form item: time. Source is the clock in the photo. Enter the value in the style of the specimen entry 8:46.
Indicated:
9:12
